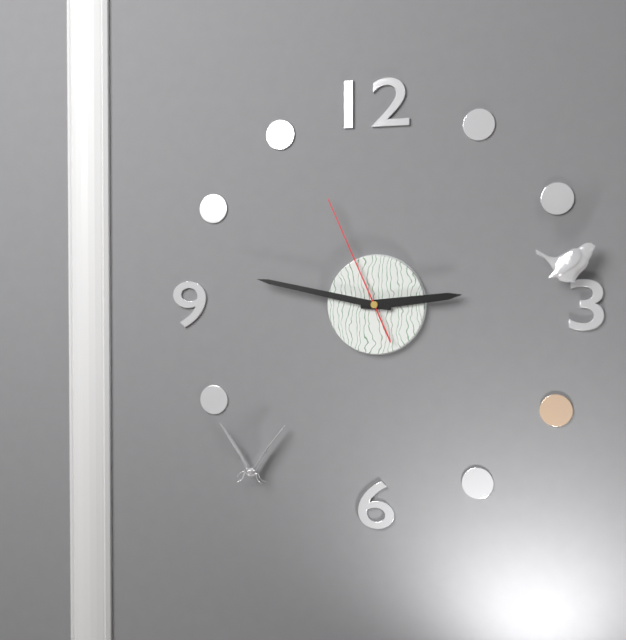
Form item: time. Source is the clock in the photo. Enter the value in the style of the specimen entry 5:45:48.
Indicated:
2:47:56
